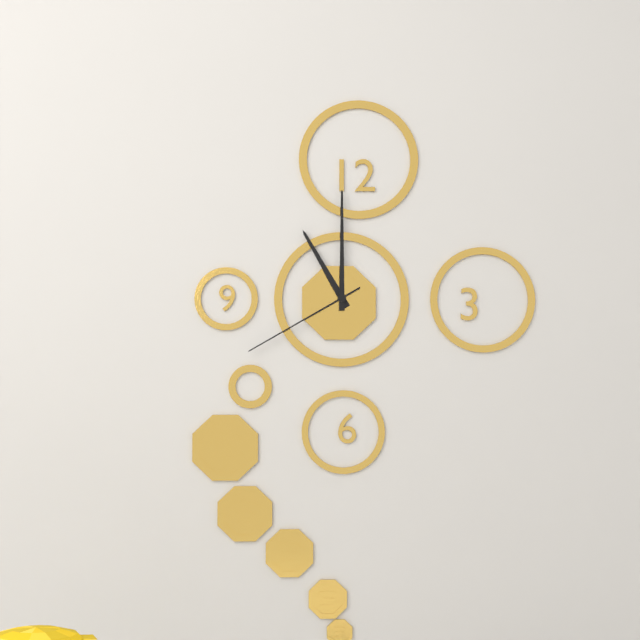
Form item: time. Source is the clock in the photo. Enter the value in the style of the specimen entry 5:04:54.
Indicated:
11:00:40
